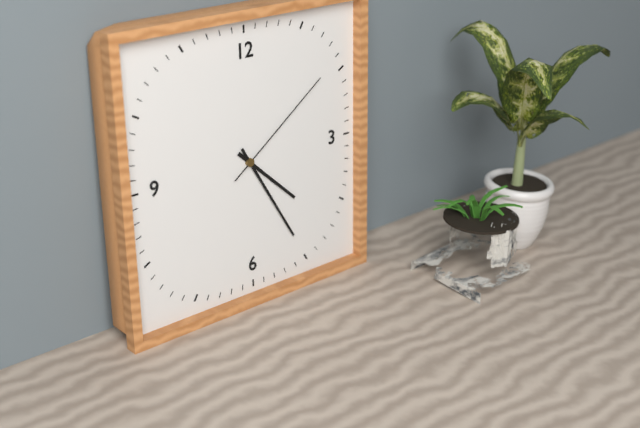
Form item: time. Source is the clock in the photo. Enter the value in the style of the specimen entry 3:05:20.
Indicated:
4:25:09
